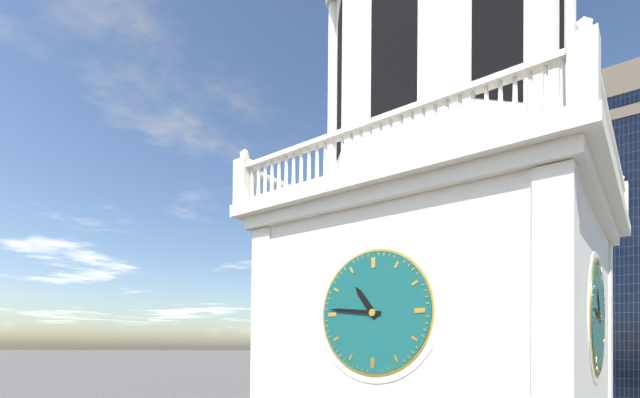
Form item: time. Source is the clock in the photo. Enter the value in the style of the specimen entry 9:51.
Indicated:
10:46
